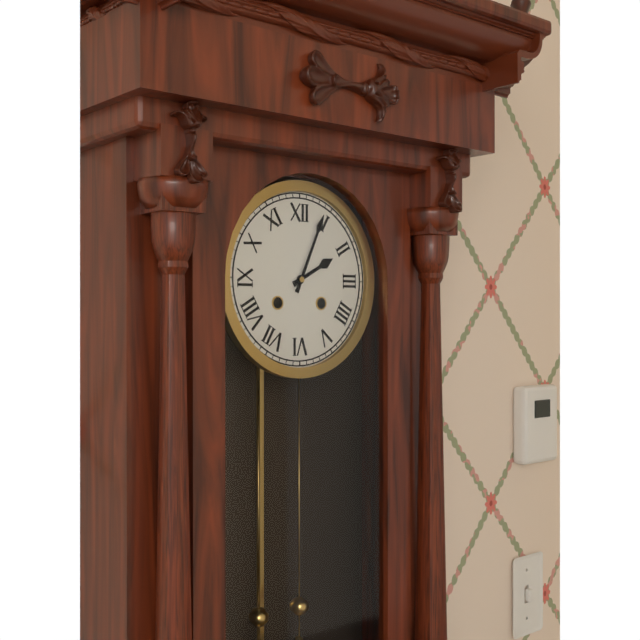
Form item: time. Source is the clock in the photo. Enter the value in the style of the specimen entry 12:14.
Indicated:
2:04
